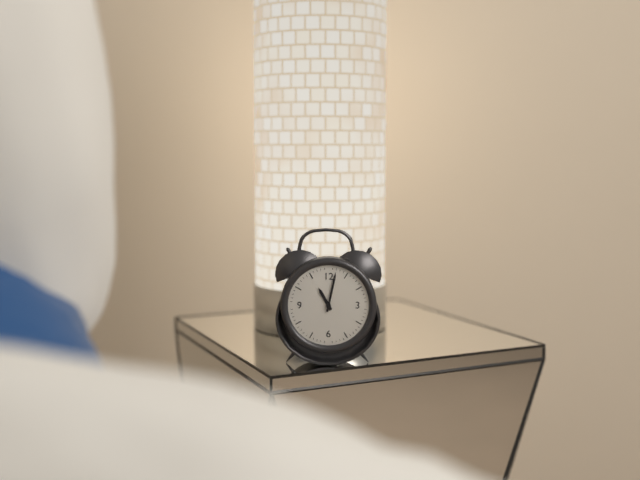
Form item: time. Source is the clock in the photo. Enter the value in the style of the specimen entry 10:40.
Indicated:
11:02
